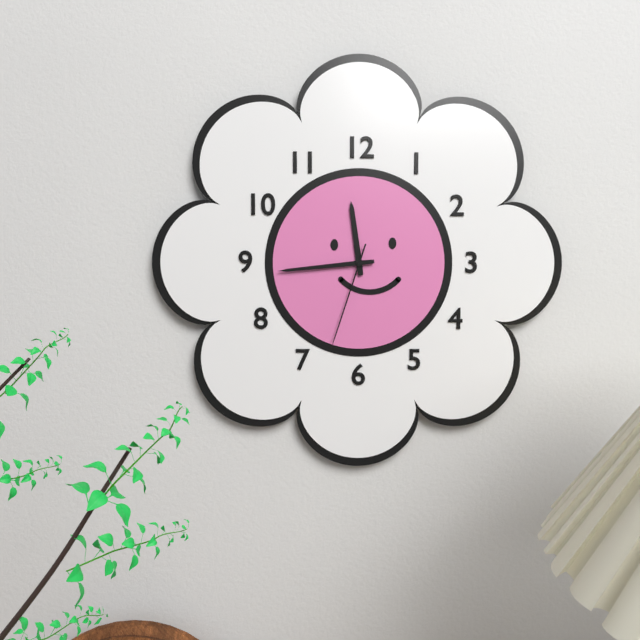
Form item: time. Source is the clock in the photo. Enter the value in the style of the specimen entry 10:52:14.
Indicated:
11:44:33
